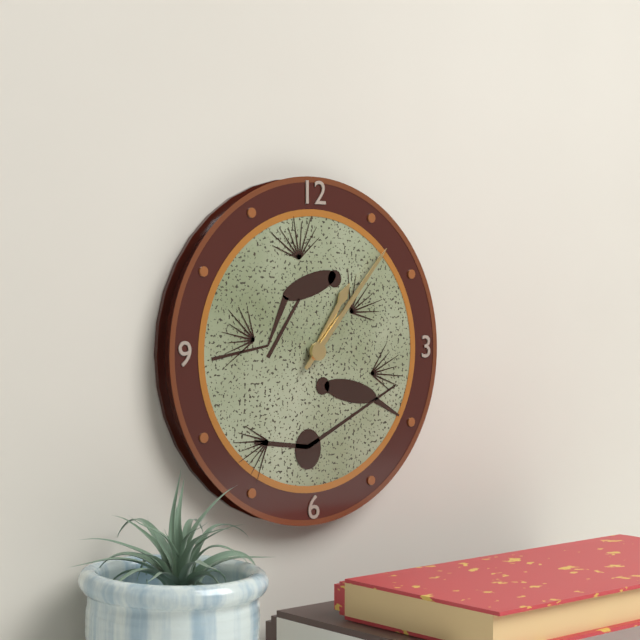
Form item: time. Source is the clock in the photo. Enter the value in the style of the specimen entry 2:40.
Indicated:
1:07
